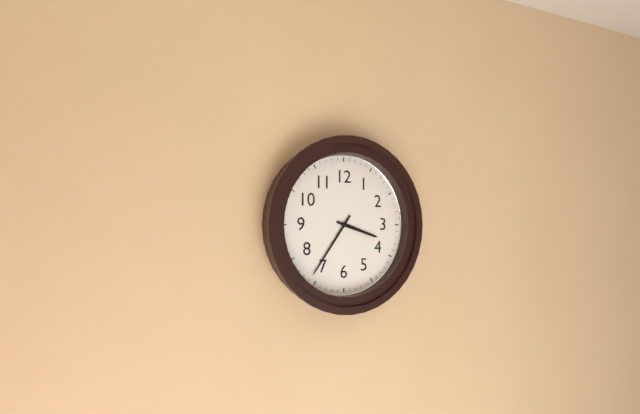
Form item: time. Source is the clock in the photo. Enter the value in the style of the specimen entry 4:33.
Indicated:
3:36
